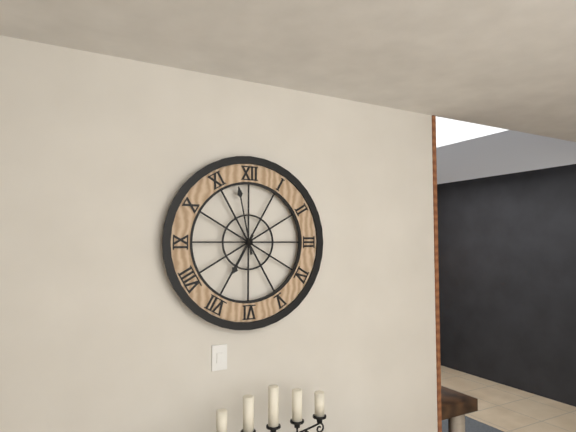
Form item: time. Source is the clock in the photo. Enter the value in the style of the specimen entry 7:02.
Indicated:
6:58
